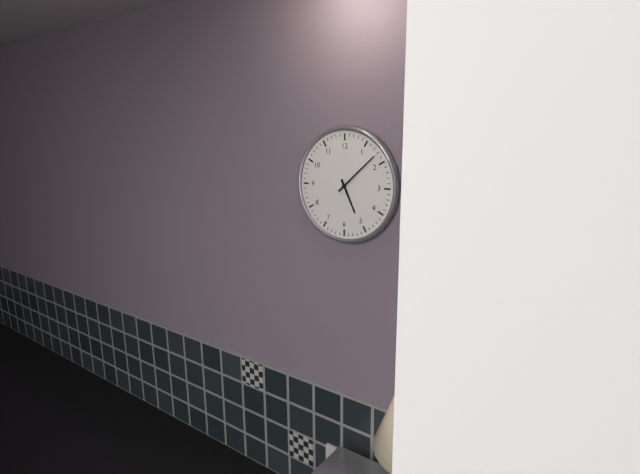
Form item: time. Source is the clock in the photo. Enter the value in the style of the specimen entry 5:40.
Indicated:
5:08
